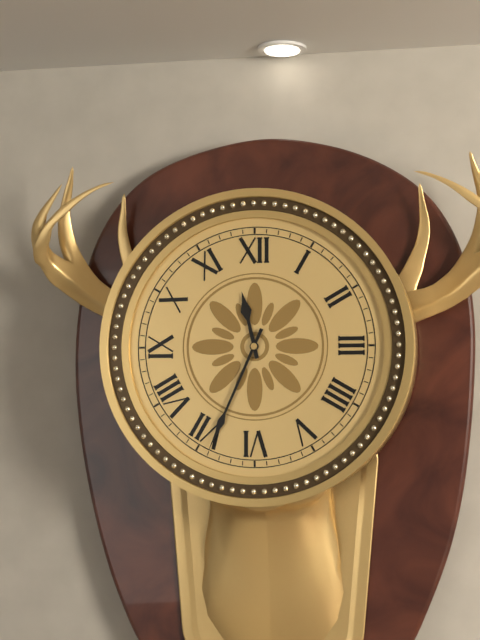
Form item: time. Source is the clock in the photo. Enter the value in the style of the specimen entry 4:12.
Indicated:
11:34
